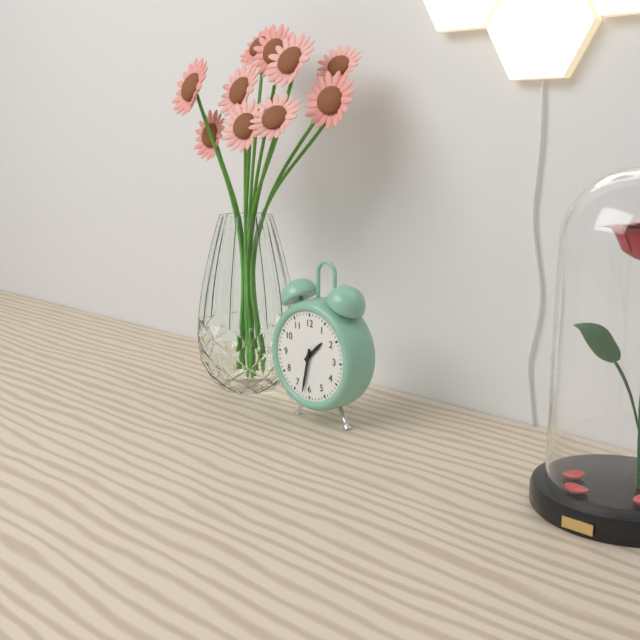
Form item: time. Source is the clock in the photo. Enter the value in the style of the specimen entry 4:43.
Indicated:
1:32
